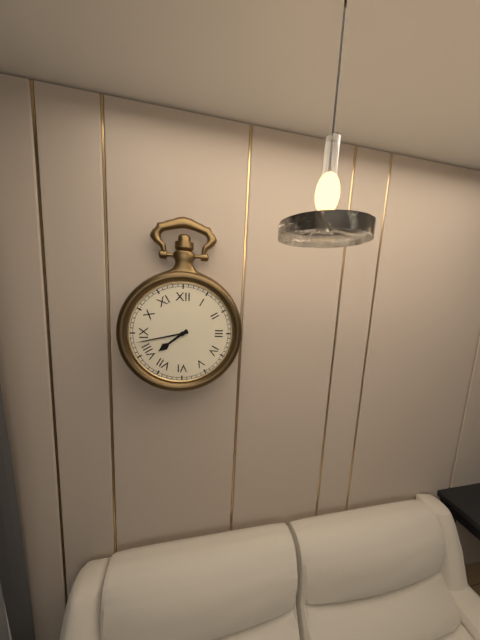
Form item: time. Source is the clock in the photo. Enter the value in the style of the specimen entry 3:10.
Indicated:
7:43
